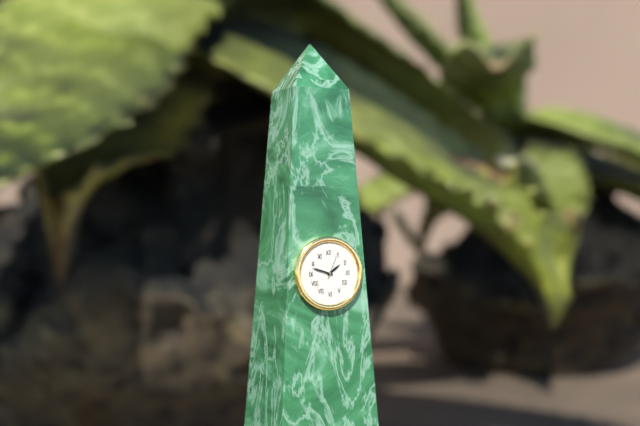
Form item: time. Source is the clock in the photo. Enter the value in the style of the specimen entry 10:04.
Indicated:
1:48
